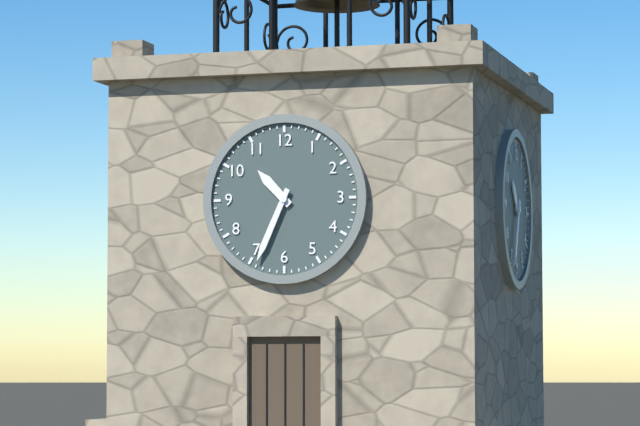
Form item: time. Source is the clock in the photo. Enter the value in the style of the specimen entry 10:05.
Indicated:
10:34
